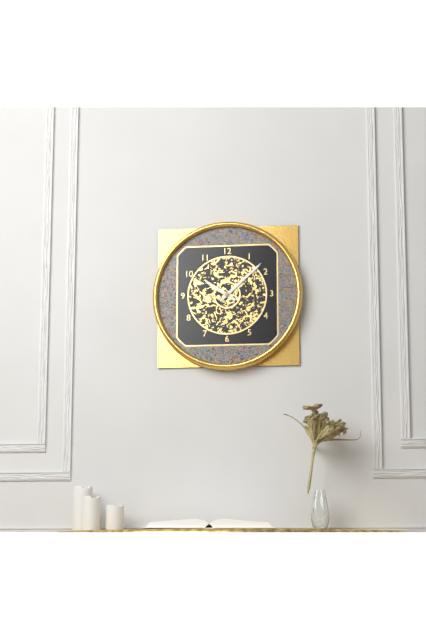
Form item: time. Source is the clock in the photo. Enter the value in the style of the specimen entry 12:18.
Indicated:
10:08
